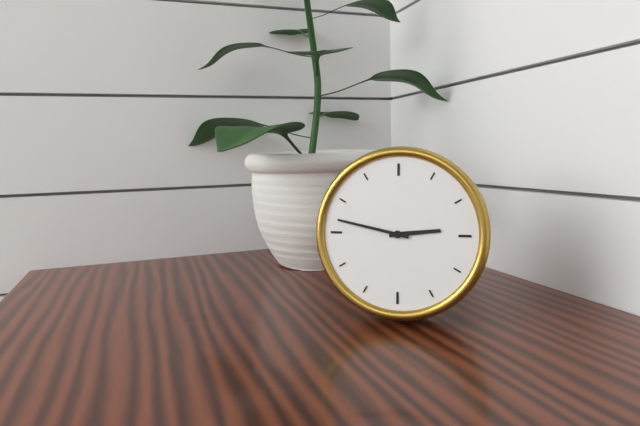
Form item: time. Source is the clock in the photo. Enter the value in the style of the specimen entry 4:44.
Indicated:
2:47
